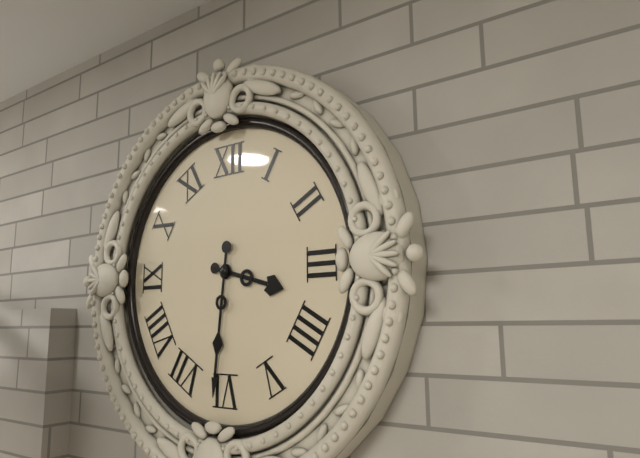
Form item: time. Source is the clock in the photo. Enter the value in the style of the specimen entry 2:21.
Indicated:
3:31
